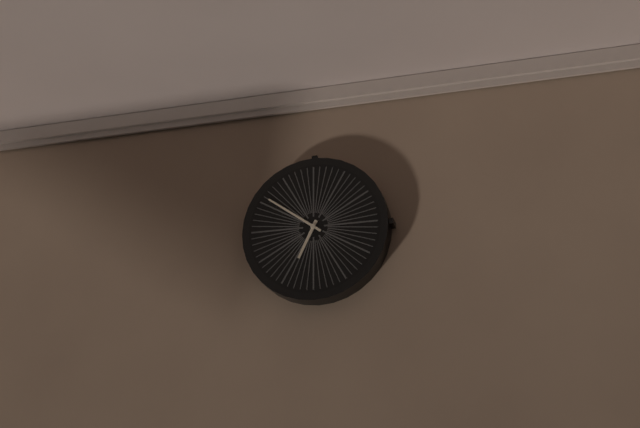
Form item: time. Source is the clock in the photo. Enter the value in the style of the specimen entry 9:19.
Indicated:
6:51
